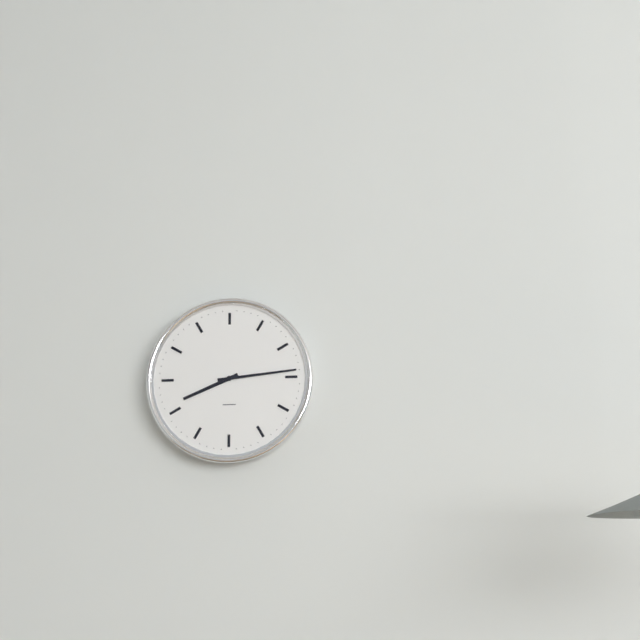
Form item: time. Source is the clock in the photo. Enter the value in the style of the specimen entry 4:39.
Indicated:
8:14
